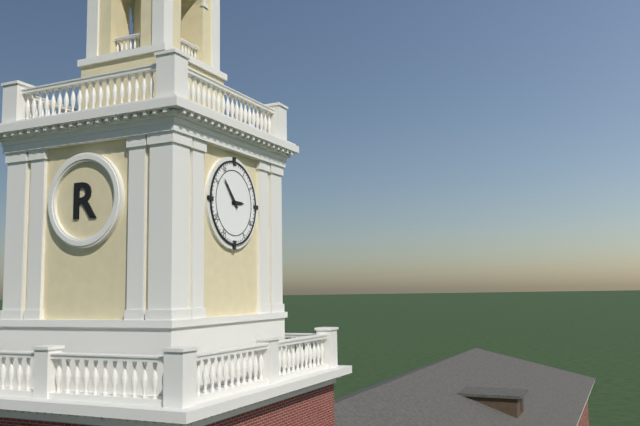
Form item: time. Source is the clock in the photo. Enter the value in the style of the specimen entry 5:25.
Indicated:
2:53
